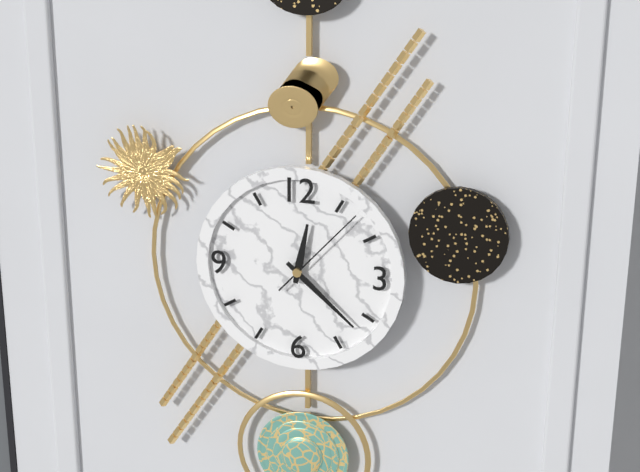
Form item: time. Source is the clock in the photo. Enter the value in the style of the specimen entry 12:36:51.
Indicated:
12:22:07
